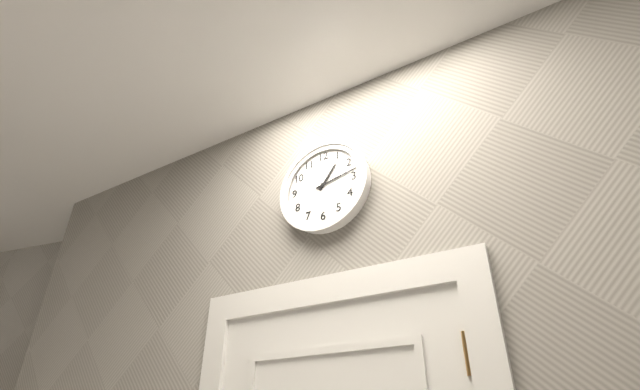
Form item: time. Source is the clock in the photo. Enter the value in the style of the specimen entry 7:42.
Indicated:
1:13
